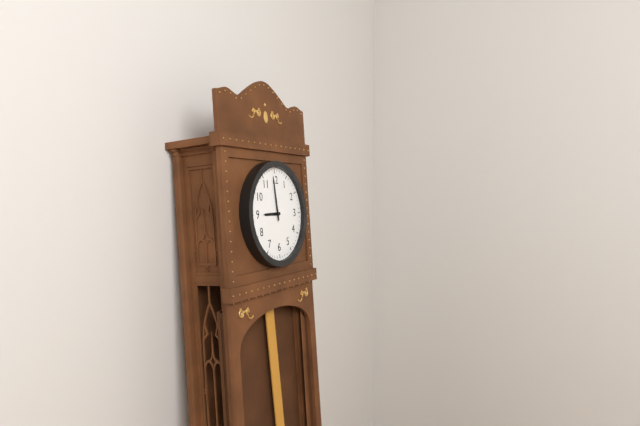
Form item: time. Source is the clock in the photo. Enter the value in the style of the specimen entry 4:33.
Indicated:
8:59
